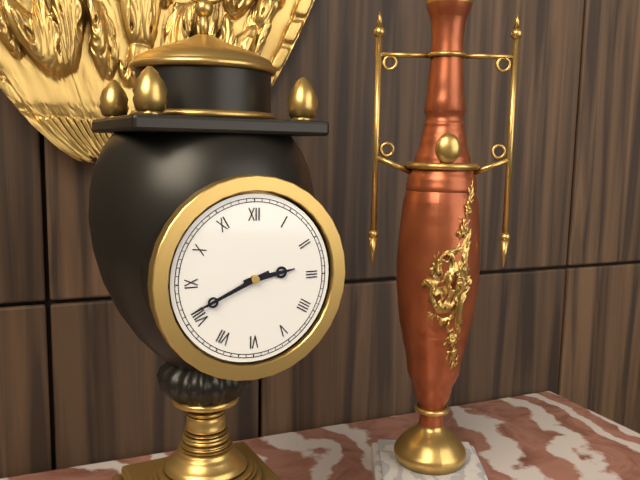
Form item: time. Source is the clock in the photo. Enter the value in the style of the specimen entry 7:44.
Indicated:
2:41
